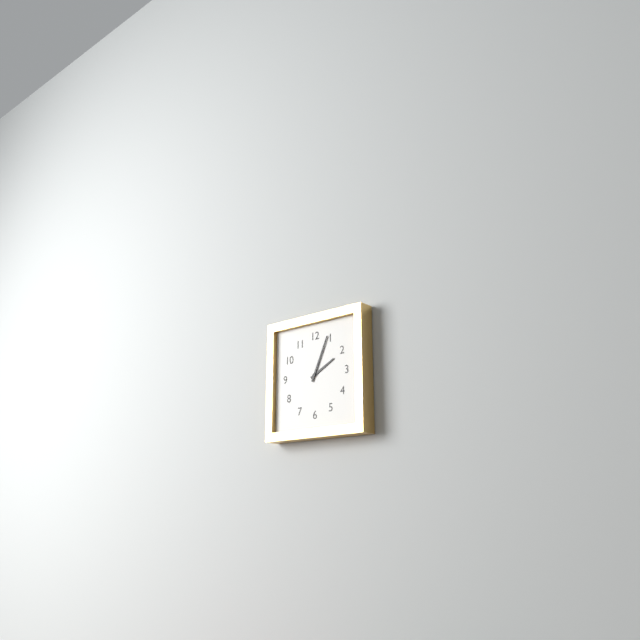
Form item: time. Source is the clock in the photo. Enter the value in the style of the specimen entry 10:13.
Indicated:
2:04
